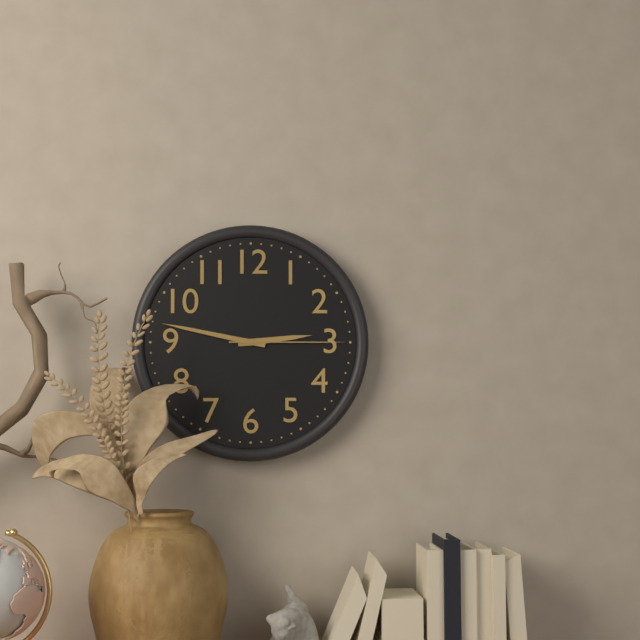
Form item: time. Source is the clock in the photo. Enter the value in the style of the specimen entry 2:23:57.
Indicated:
2:47:15
